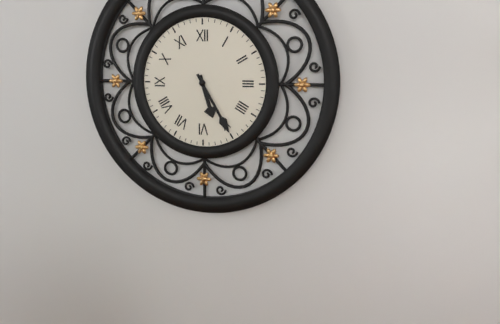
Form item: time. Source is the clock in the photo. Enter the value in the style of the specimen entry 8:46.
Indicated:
5:25
